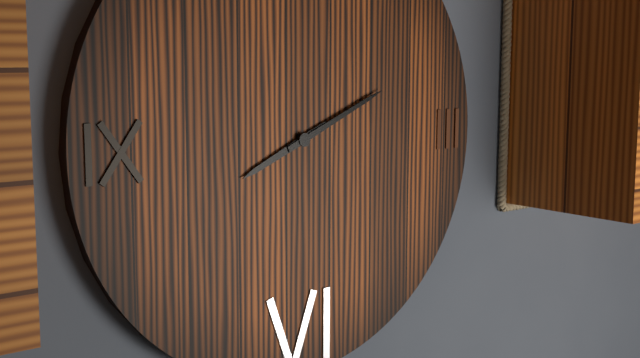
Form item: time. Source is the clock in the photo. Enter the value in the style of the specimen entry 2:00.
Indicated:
8:11
